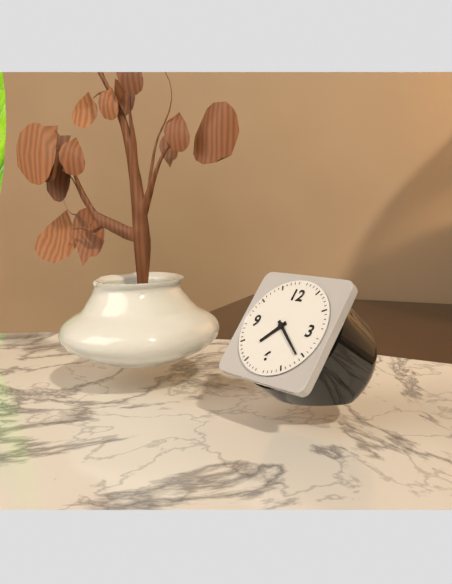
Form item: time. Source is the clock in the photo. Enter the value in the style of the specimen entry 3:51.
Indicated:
7:21
